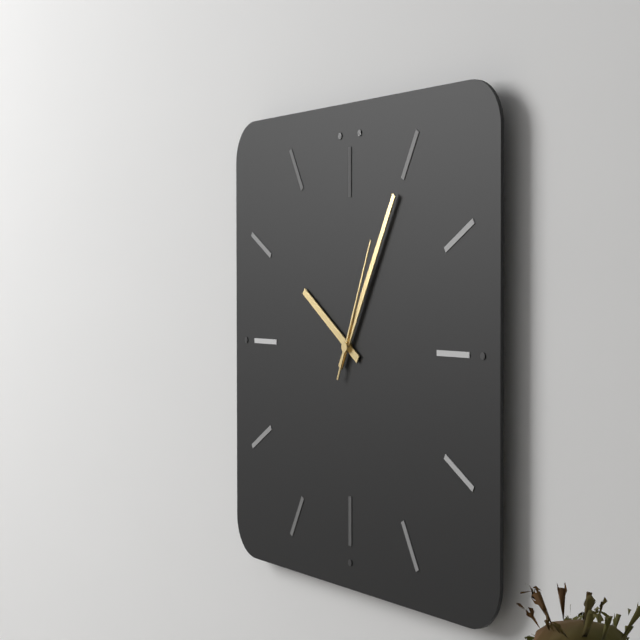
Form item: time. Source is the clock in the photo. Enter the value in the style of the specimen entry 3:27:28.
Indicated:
10:05:04
